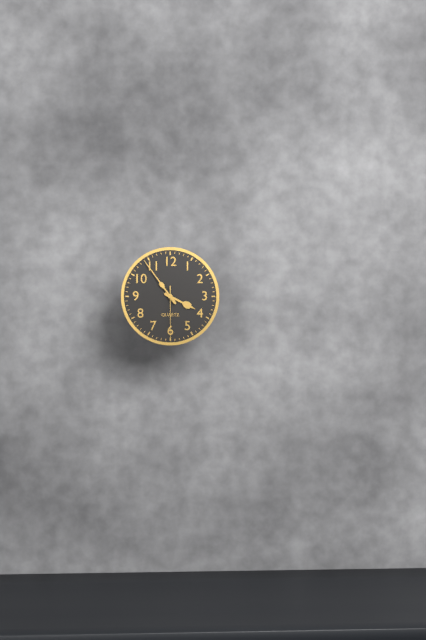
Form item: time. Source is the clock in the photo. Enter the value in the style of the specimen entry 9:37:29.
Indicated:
3:54:30
